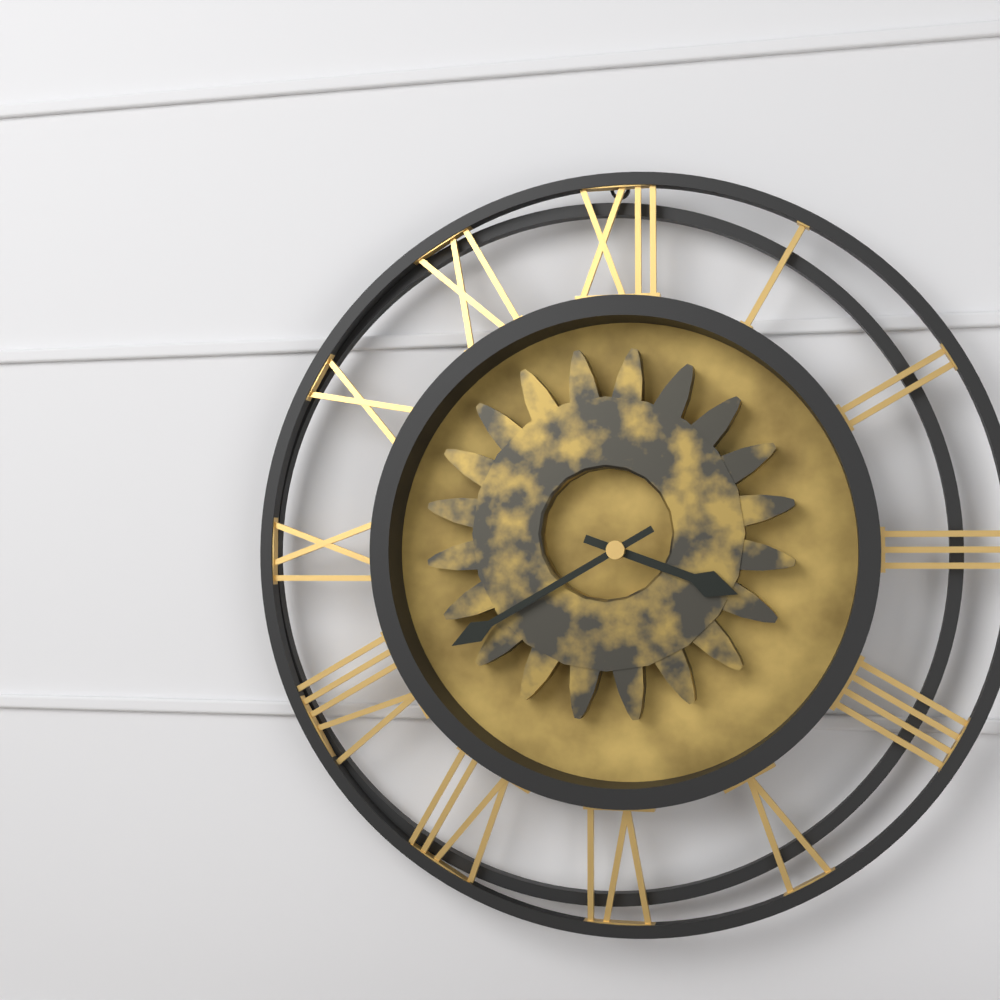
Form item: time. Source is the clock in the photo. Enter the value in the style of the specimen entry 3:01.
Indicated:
3:40
